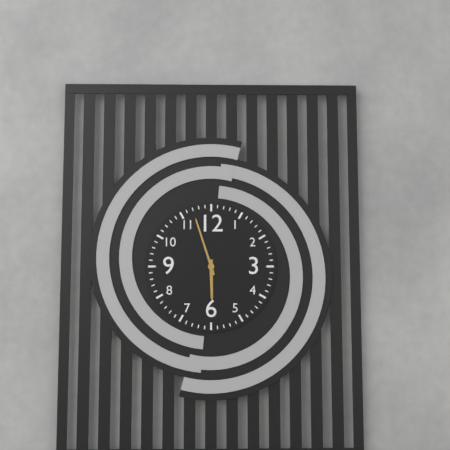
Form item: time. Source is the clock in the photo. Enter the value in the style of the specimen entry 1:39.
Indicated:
5:57
